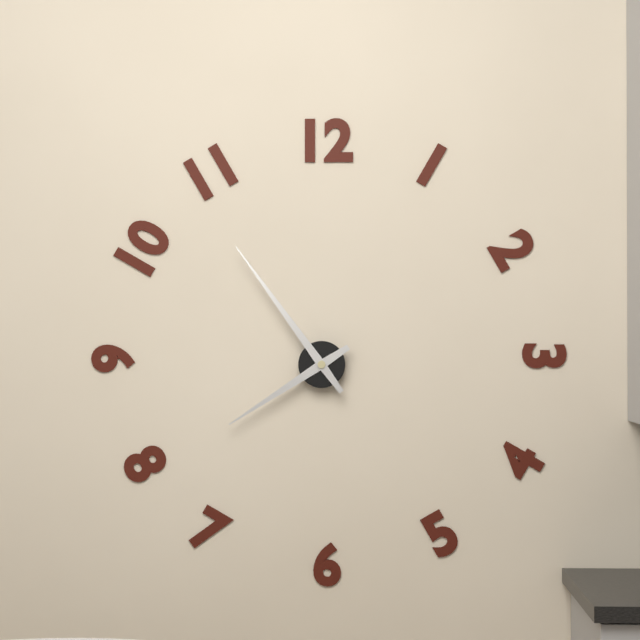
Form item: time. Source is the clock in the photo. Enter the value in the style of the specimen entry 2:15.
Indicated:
7:54
